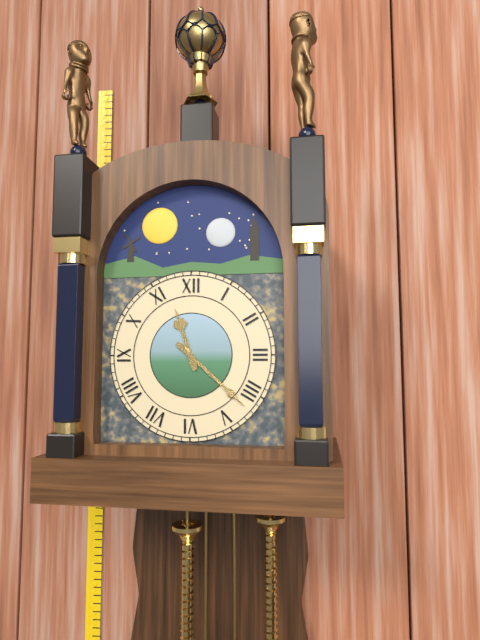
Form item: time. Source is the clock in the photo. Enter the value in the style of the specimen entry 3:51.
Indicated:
11:22
